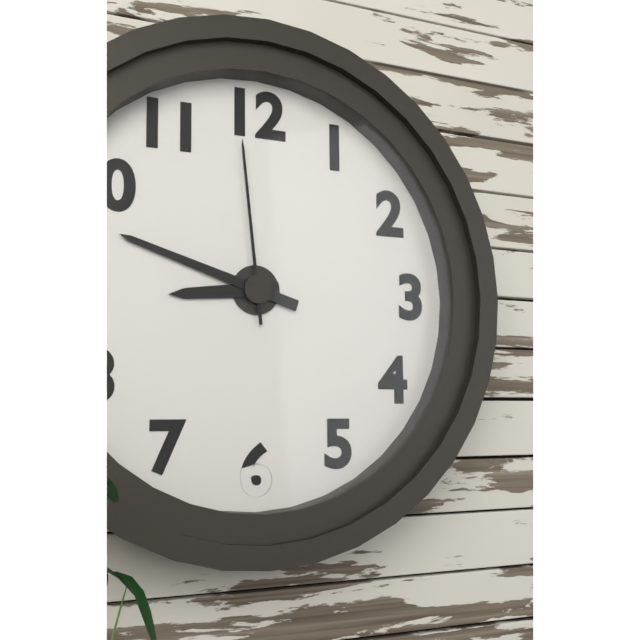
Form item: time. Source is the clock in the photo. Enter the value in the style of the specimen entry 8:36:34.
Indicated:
8:48:59
